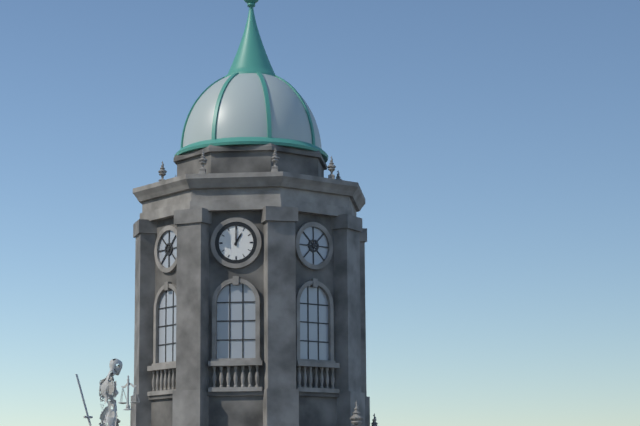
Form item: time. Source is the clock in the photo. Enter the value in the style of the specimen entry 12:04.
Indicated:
1:00
